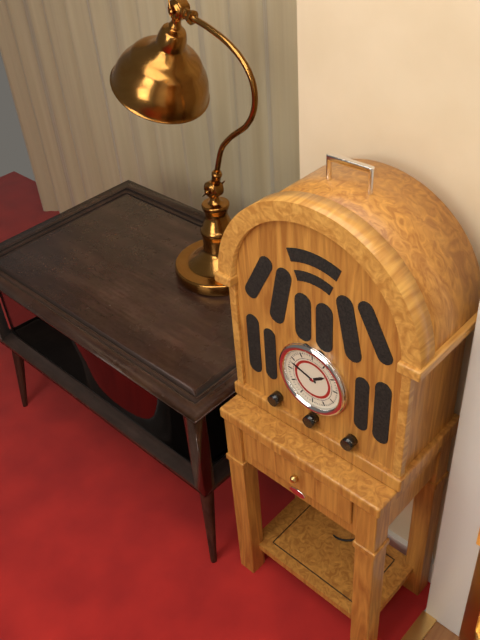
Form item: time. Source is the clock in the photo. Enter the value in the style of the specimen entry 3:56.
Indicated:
1:48
